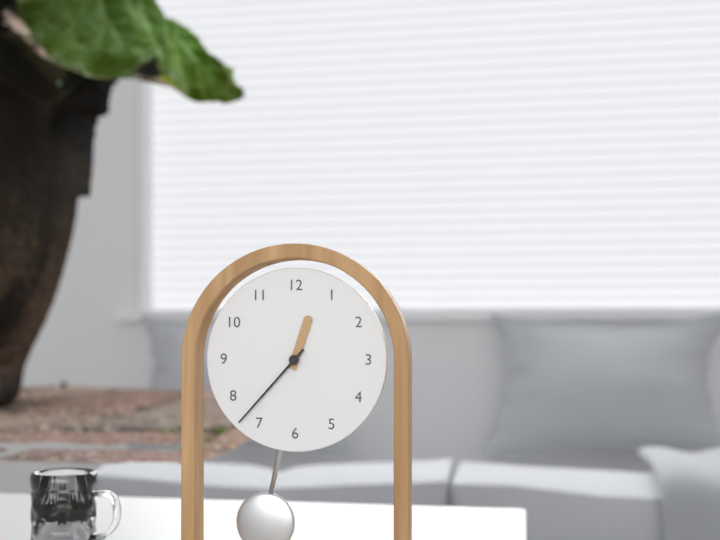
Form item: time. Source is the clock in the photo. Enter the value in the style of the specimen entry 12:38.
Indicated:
12:37
